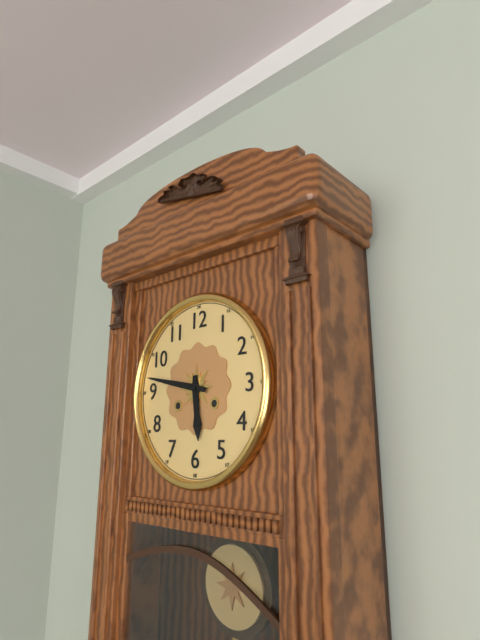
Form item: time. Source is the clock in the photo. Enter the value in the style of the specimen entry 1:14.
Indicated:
5:47
